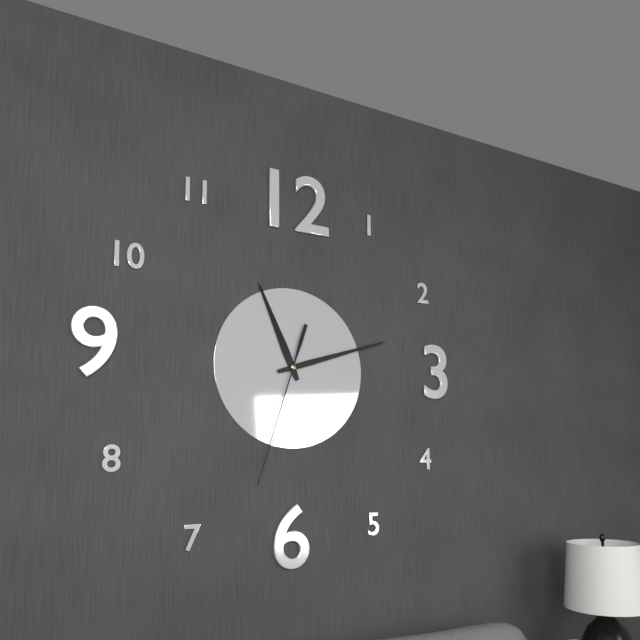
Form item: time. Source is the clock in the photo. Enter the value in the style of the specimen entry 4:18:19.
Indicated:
11:12:33
